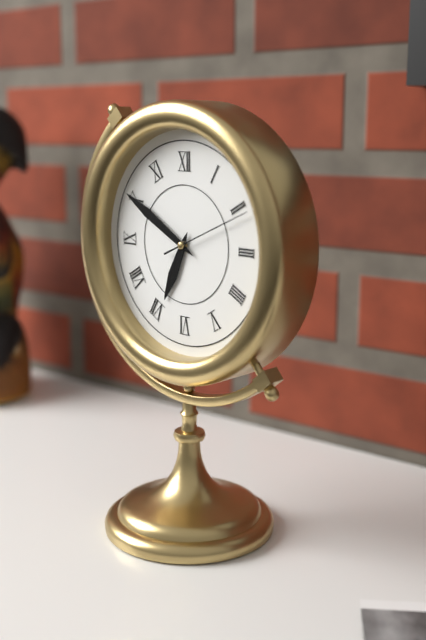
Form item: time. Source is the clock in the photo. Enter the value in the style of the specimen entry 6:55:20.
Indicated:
6:50:11
